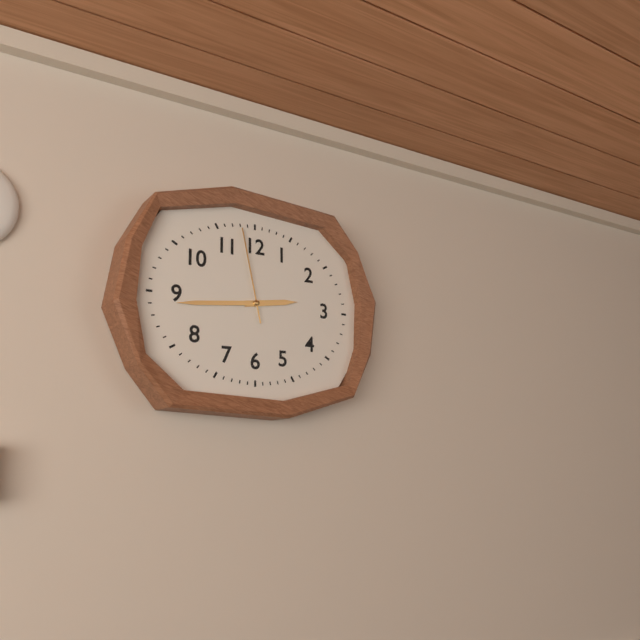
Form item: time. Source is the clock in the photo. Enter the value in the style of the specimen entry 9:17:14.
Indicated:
2:44:58
